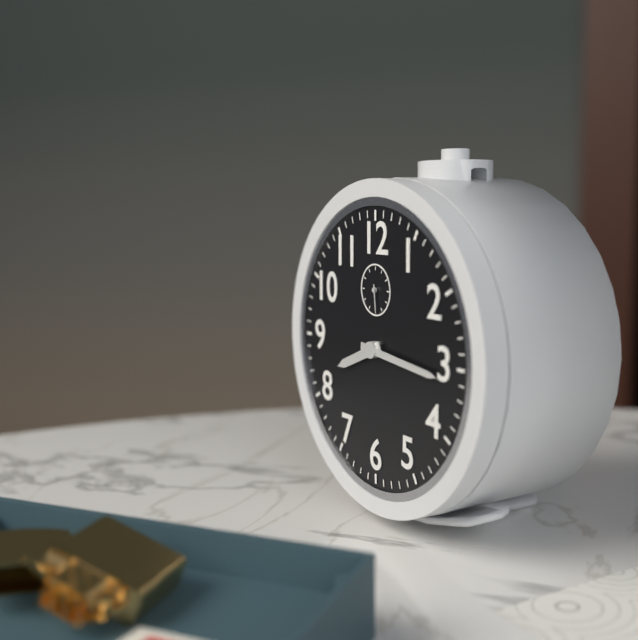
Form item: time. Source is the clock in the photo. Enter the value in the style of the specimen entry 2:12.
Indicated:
8:16
